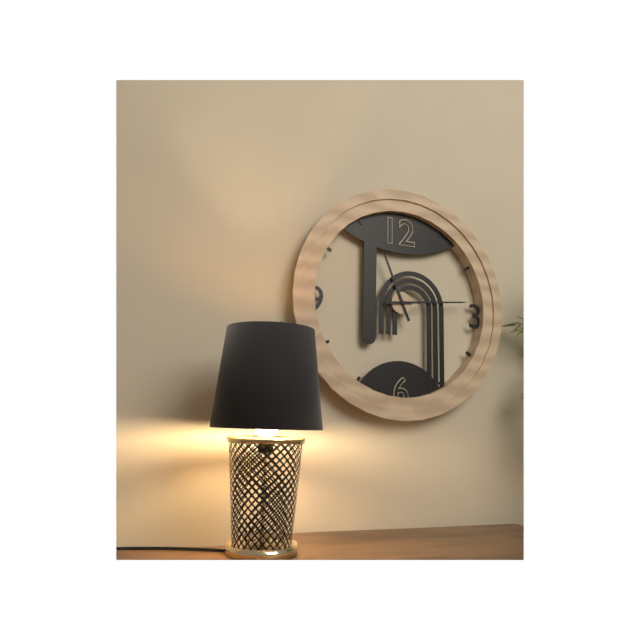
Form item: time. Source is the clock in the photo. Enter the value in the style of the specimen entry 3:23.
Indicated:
11:14
